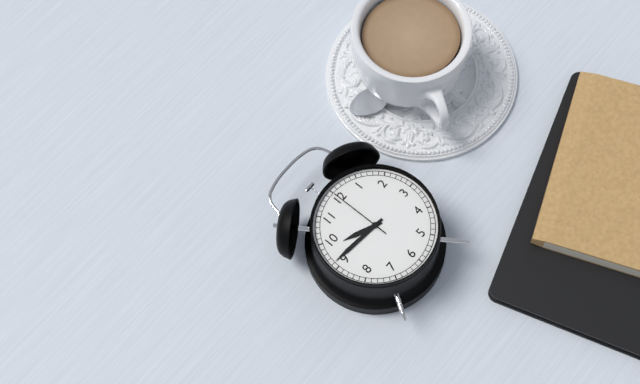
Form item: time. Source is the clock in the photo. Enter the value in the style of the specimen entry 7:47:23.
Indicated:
9:46:00
